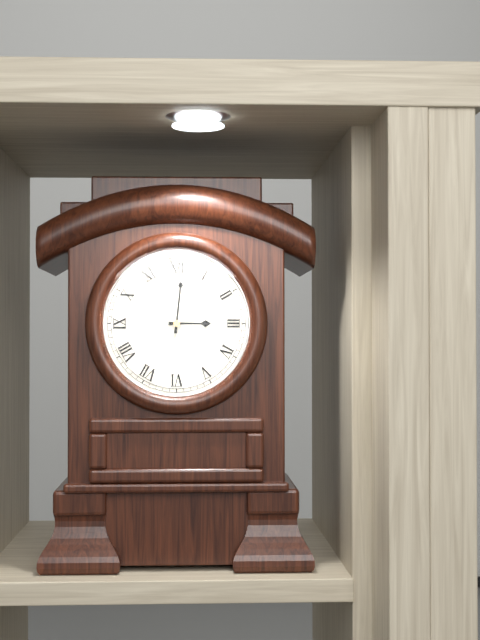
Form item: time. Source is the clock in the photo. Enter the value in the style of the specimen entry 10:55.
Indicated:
3:01
